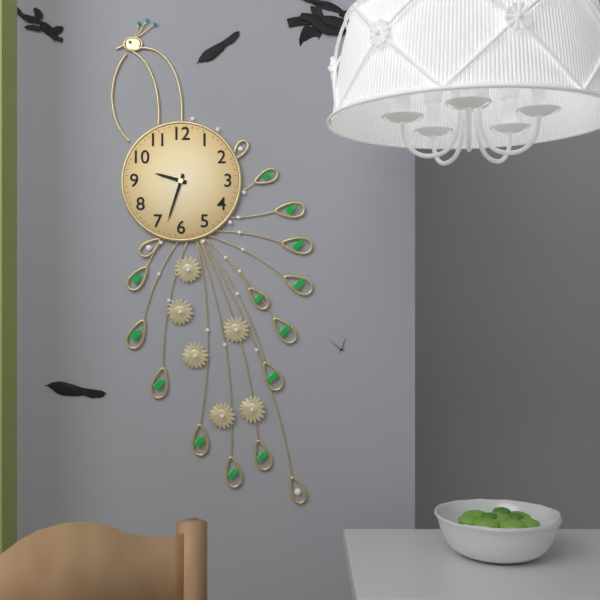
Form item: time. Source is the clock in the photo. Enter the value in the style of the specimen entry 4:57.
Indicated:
9:33
